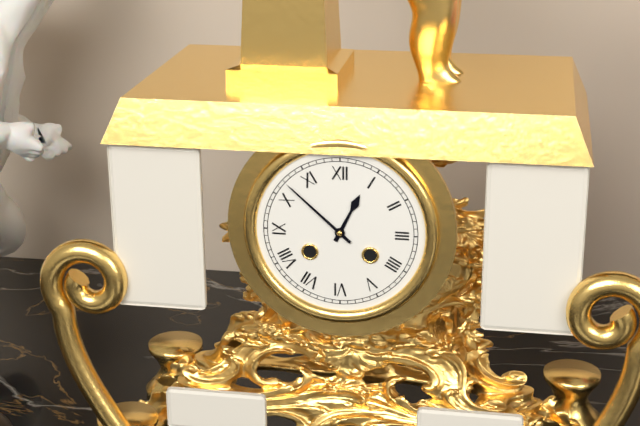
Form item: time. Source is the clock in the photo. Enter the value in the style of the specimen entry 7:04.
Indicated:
12:52
